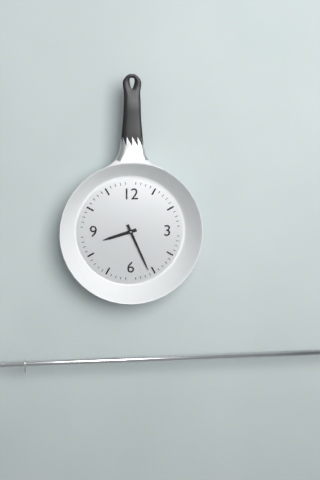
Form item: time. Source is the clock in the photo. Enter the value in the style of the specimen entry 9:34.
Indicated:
8:26
